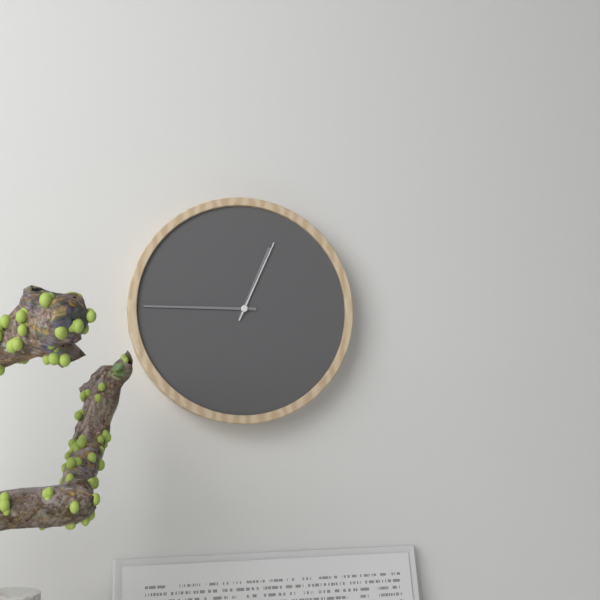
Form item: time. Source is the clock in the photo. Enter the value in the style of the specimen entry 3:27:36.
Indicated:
12:45:04
